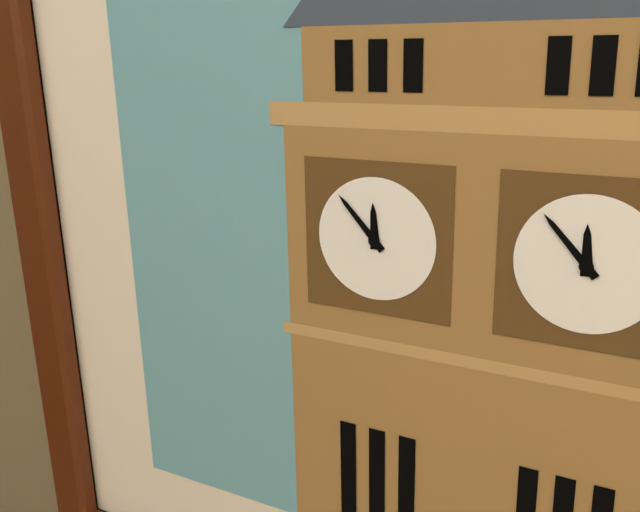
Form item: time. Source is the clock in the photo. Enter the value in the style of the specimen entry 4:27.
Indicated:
11:53
